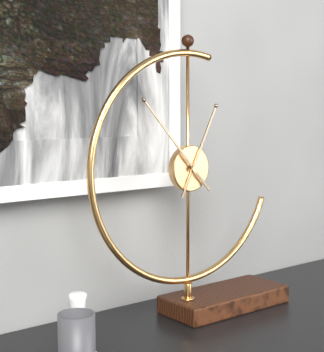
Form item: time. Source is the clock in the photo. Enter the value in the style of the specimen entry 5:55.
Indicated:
12:53
